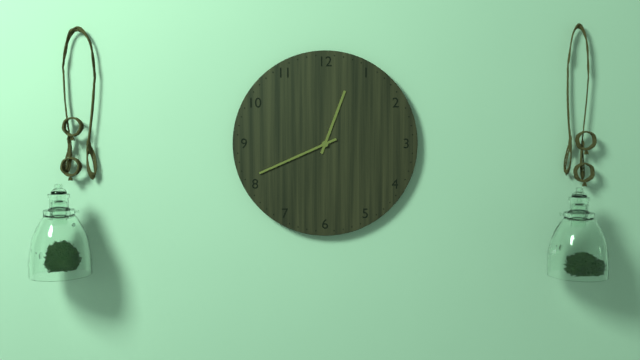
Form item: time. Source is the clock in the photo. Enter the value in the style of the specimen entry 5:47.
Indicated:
12:41
